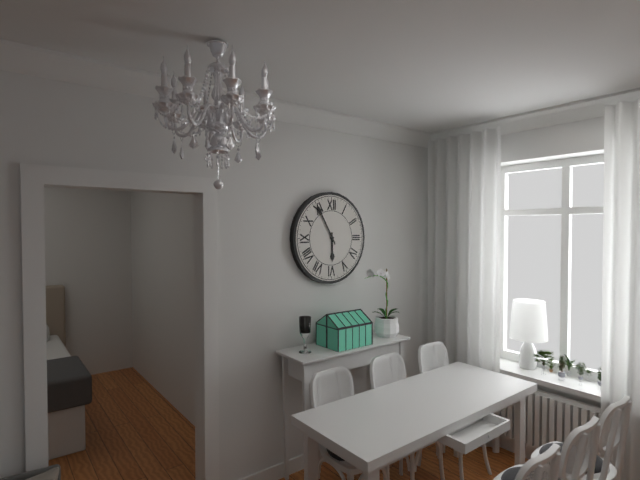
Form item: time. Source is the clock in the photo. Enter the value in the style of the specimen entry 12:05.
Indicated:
5:55
